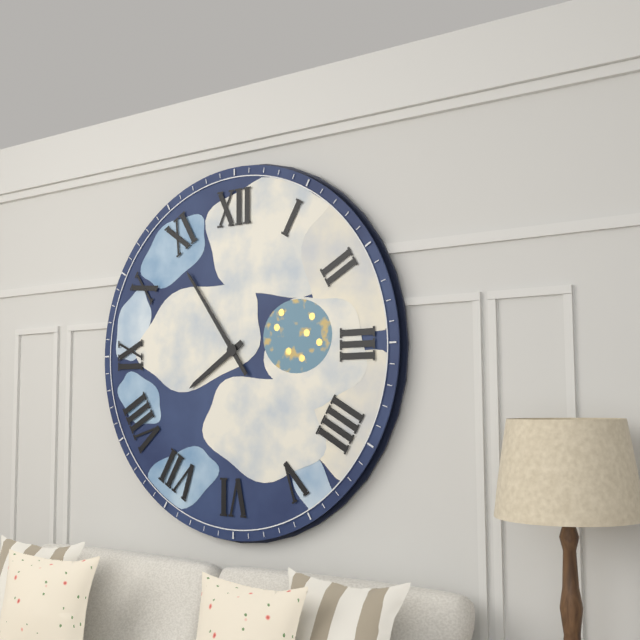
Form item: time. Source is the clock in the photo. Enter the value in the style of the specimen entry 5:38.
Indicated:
7:54
